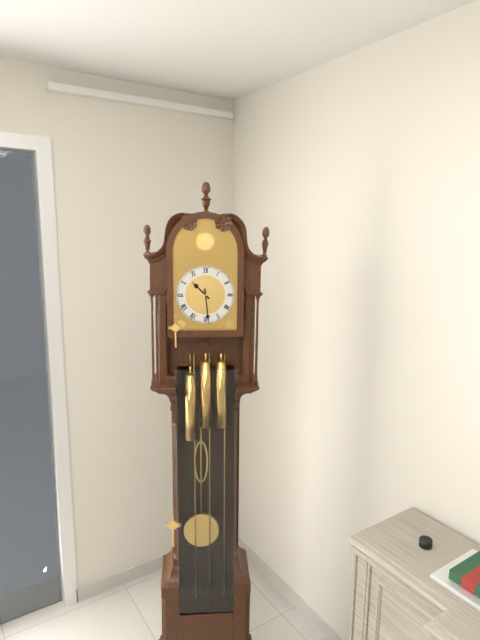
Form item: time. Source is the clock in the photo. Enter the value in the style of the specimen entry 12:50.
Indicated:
10:29
